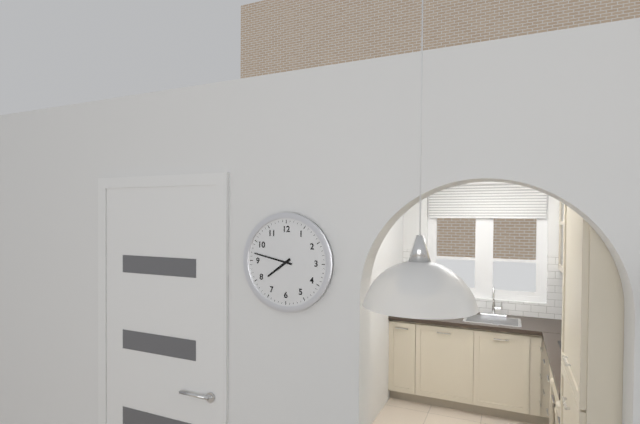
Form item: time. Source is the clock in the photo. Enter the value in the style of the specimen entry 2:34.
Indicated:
7:47
